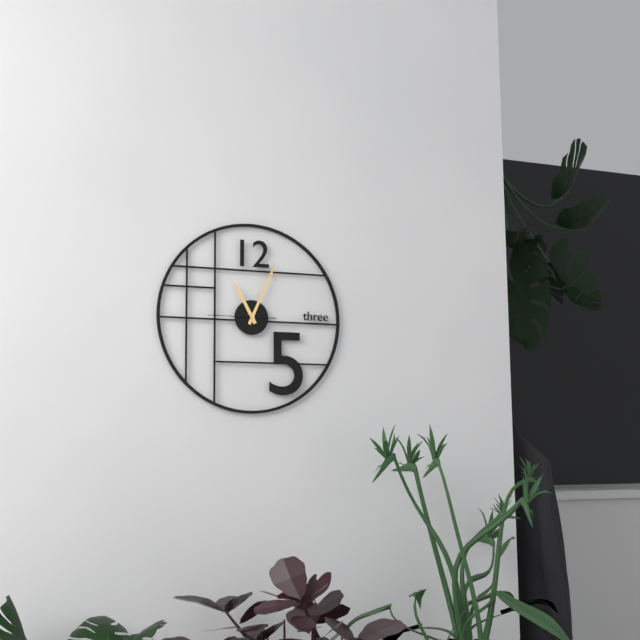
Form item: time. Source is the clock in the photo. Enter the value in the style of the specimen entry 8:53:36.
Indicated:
11:04:45
